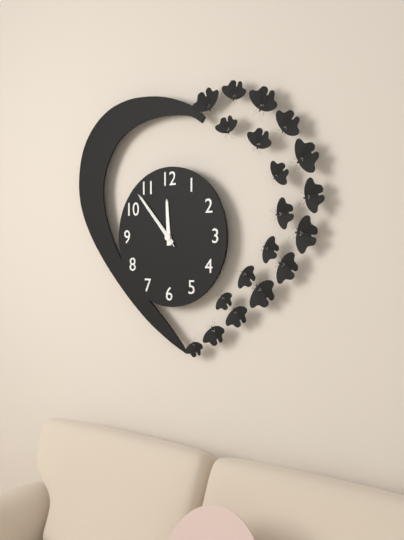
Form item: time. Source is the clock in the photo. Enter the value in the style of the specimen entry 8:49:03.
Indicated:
11:53:53
